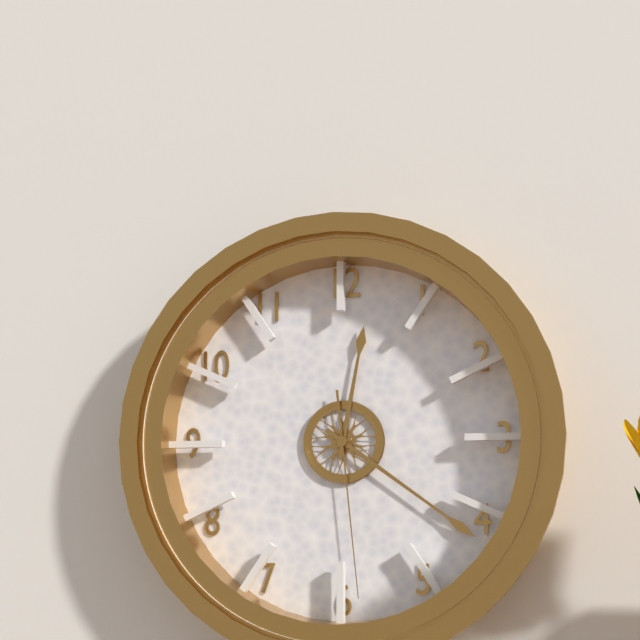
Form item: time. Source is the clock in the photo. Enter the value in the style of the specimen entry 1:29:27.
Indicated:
12:21:29
